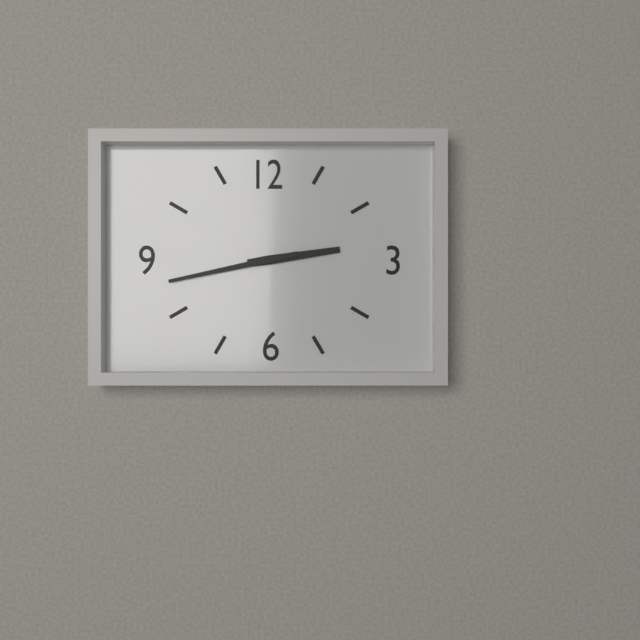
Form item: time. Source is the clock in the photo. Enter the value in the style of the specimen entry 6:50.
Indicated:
2:43
